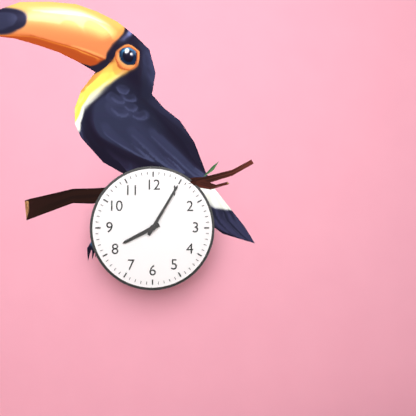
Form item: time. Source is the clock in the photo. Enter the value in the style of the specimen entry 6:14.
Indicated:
8:05
